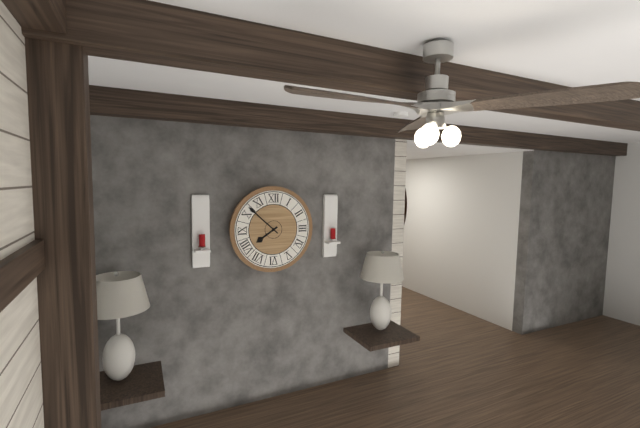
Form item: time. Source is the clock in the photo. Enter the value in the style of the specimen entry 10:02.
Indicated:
7:52
